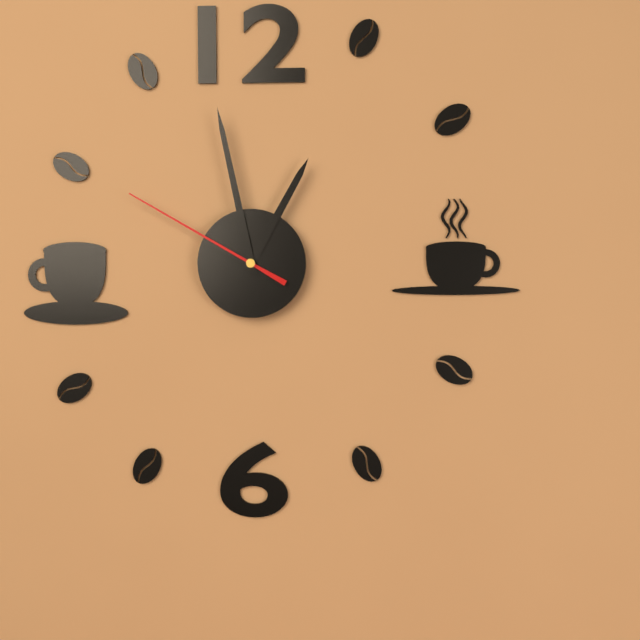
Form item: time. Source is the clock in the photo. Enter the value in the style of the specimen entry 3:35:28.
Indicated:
12:58:50
